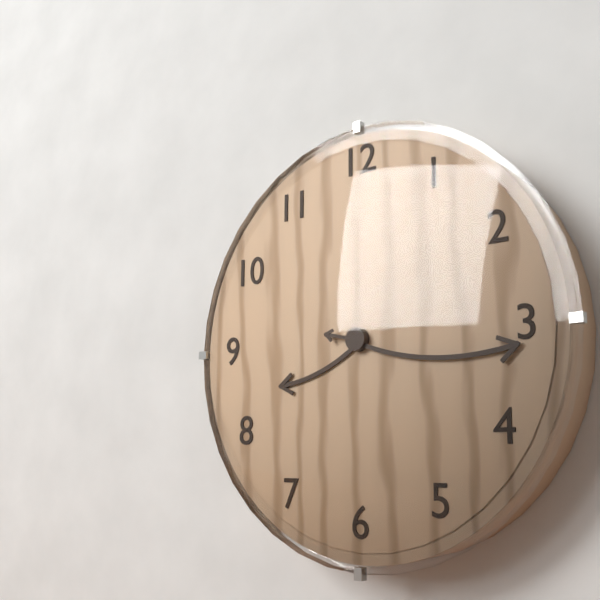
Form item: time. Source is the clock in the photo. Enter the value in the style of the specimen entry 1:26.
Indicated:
8:16
